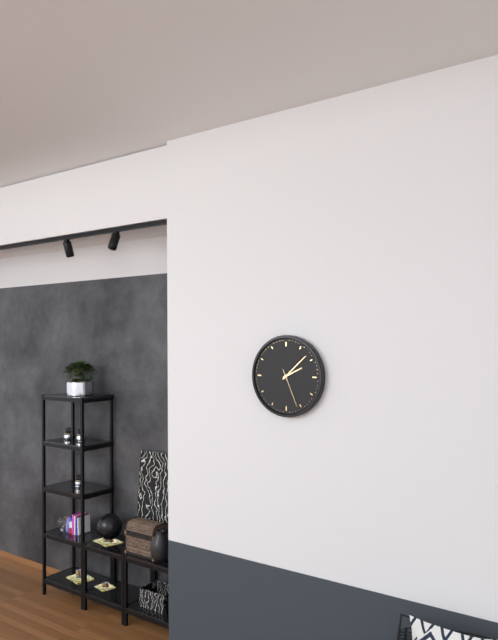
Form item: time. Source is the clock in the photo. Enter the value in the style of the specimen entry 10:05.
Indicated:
2:08
